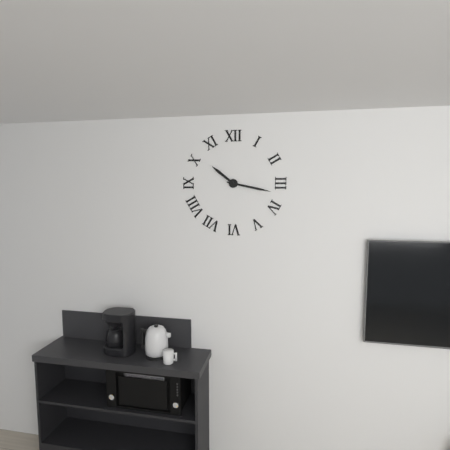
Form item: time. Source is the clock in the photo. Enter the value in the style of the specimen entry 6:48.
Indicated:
10:17
